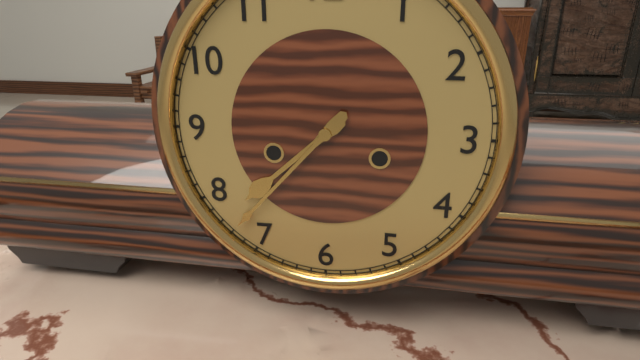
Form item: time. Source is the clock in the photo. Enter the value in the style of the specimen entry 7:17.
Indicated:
7:37
